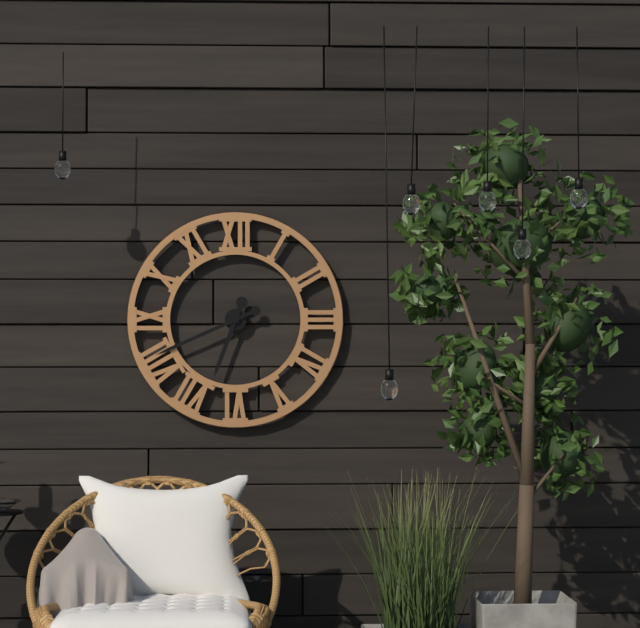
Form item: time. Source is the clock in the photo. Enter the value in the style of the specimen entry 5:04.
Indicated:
6:41
